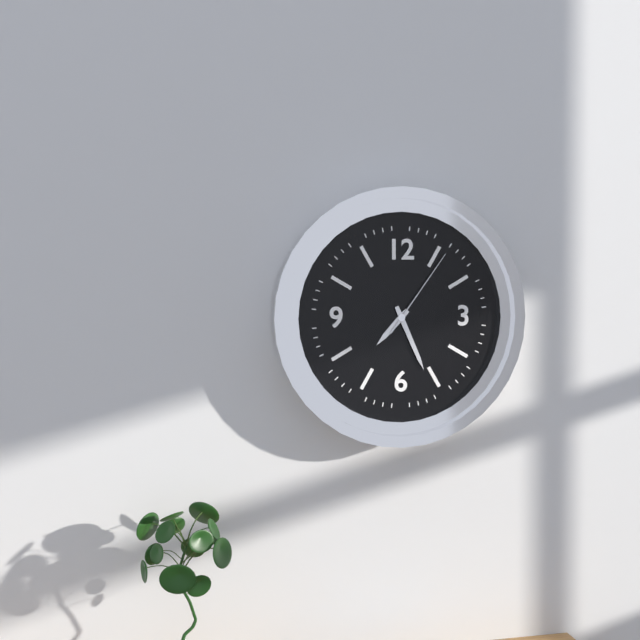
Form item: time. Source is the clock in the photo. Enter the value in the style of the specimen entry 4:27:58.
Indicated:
7:26:06
